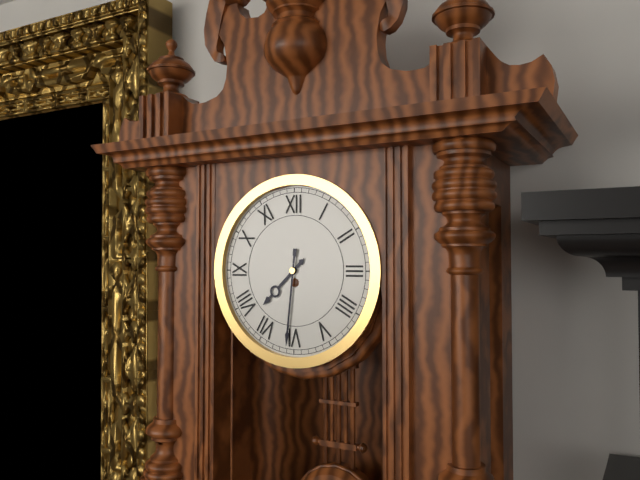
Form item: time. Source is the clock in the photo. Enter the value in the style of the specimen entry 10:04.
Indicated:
7:31
